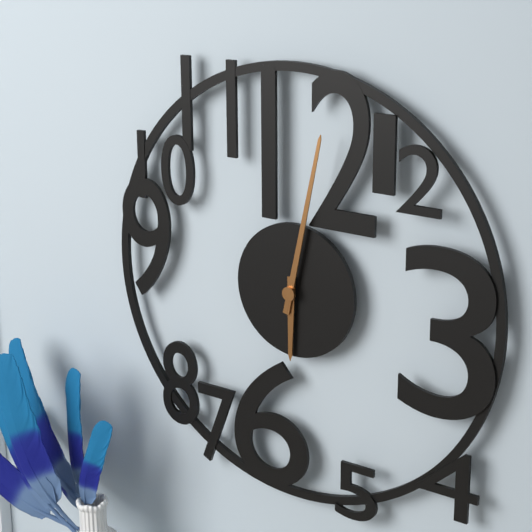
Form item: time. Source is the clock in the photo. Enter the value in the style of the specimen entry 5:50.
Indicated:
6:02
